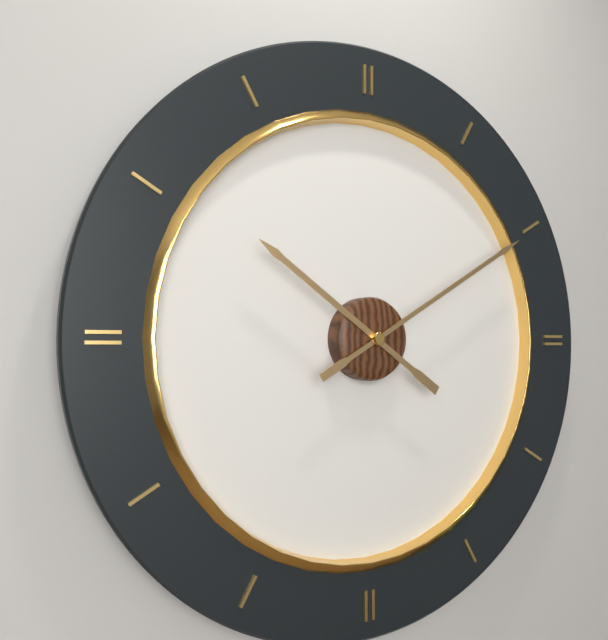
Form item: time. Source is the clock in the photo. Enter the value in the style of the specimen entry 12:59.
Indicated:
10:10
